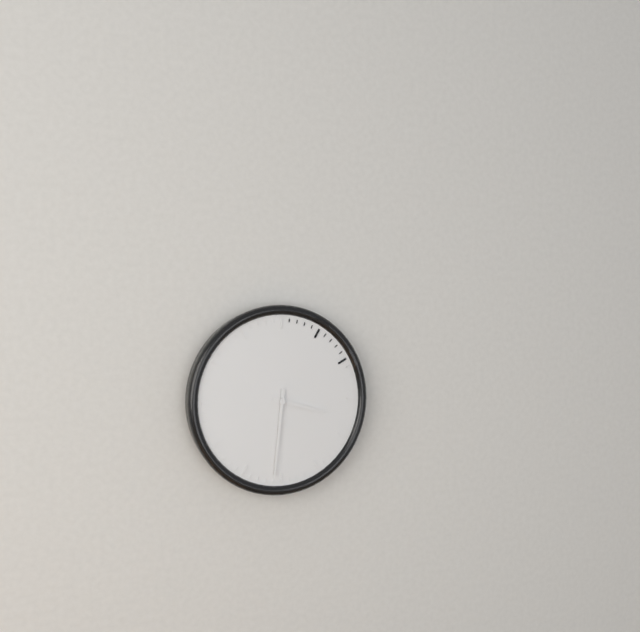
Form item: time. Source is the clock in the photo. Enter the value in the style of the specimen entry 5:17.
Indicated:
3:31
